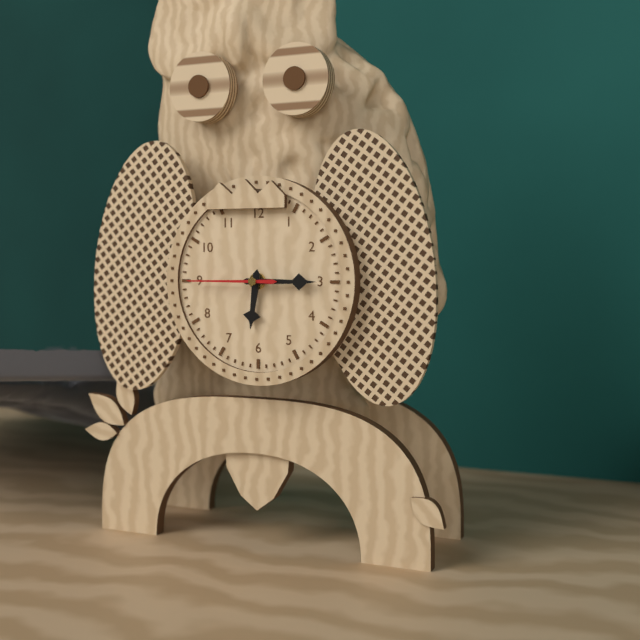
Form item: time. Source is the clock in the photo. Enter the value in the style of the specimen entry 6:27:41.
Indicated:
6:15:45
